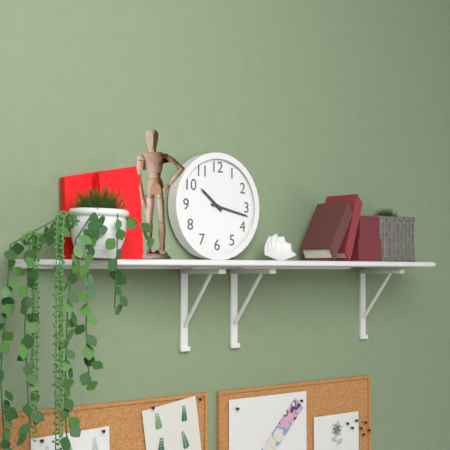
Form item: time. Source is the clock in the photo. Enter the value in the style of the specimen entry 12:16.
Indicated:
10:17
